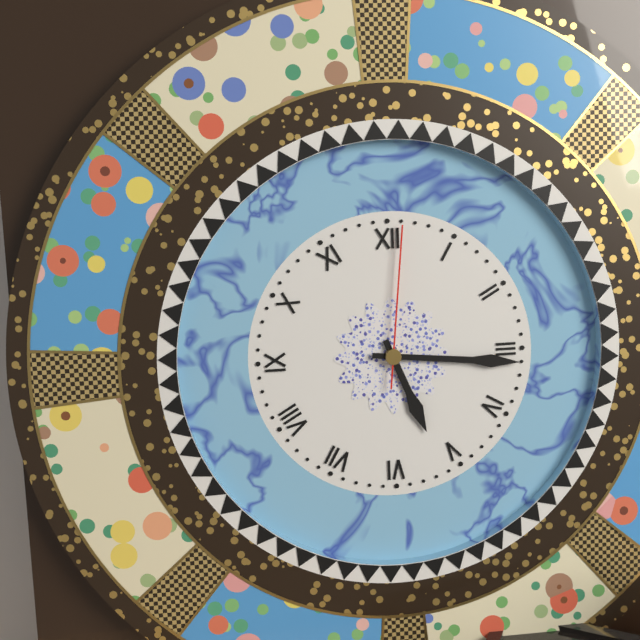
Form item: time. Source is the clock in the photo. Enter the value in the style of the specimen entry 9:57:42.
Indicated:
5:16:01
